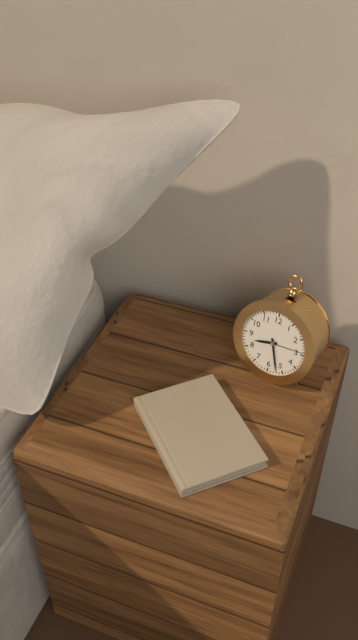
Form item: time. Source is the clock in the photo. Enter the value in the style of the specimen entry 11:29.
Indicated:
8:27
